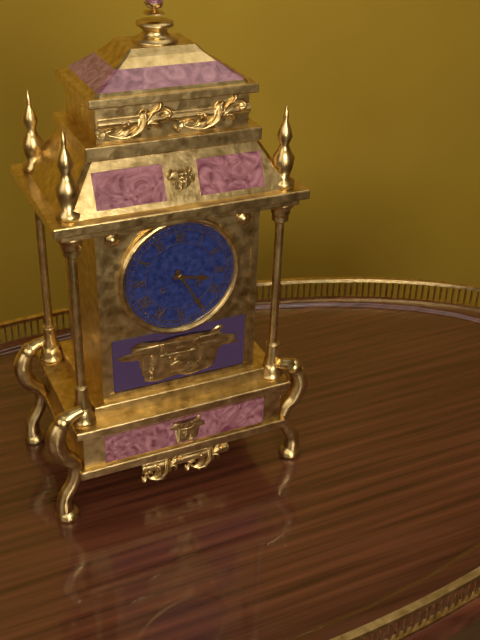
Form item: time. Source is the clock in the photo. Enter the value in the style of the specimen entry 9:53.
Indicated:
3:25
